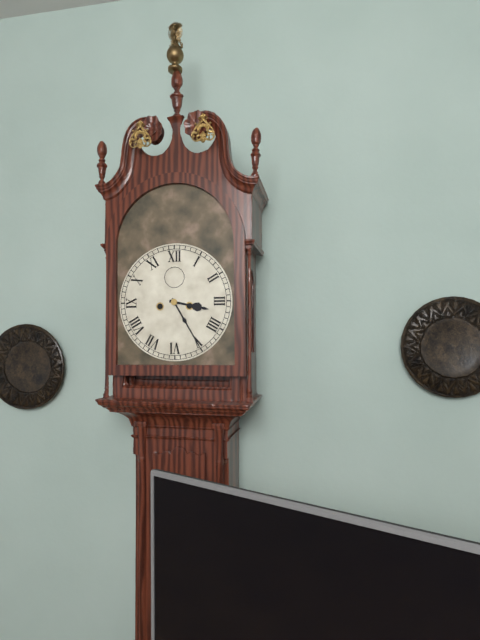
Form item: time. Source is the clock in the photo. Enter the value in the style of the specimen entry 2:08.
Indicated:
3:25
